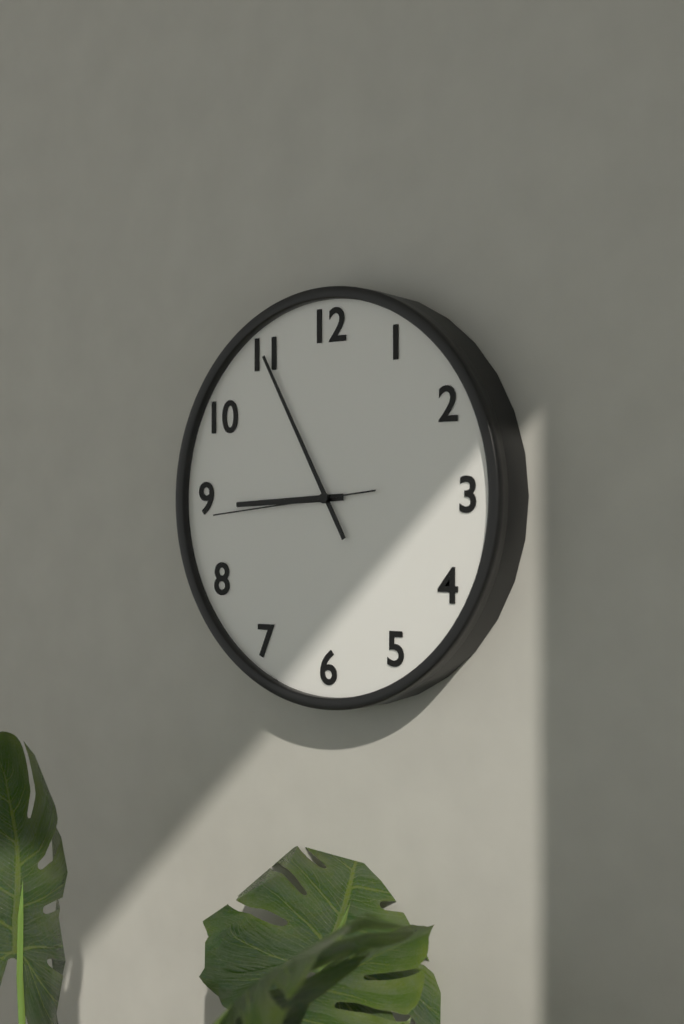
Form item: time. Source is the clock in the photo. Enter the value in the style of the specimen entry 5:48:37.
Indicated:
8:55:44
